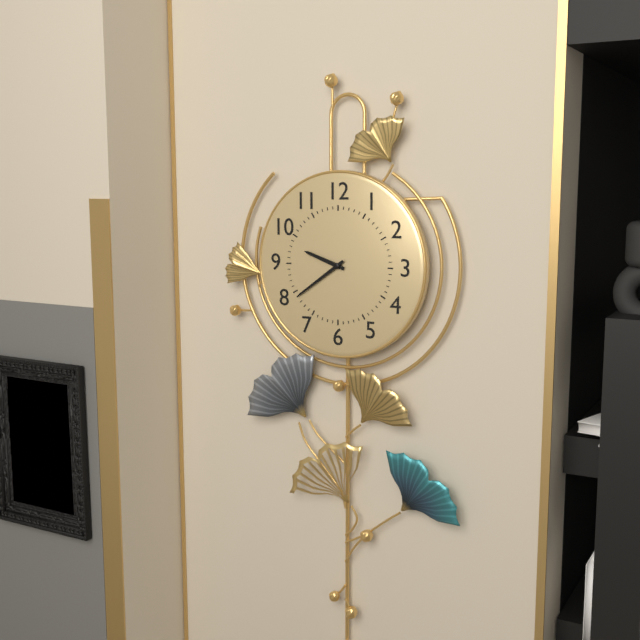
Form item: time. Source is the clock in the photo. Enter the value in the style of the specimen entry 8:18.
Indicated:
9:39
